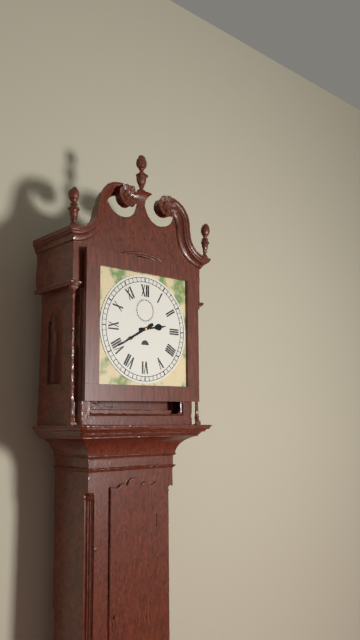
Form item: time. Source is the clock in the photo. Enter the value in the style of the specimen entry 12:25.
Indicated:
2:40
